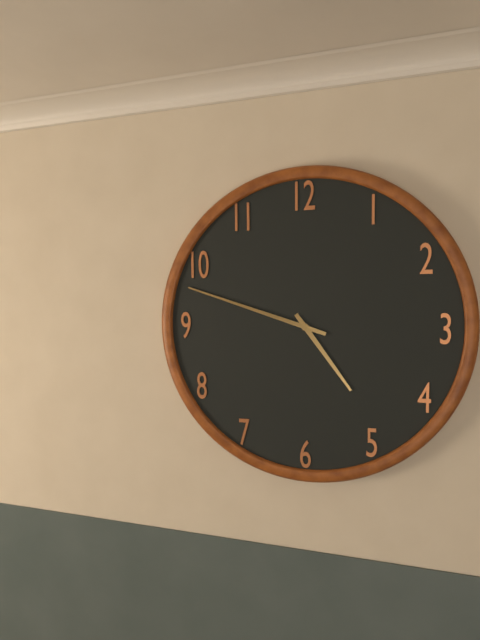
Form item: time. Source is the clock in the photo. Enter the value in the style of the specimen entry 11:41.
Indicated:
4:48
